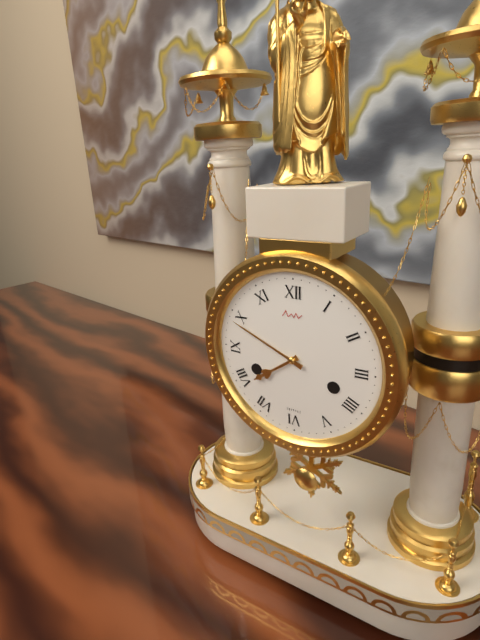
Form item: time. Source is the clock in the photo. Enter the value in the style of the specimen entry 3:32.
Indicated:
7:49
